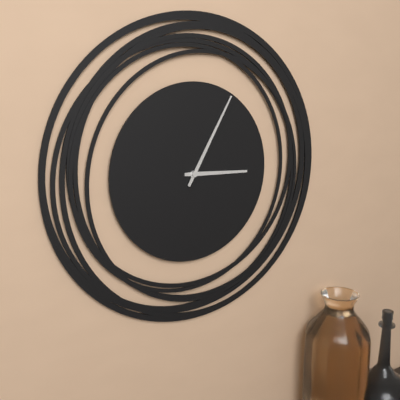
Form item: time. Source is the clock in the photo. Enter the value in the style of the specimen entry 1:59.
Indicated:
3:05
